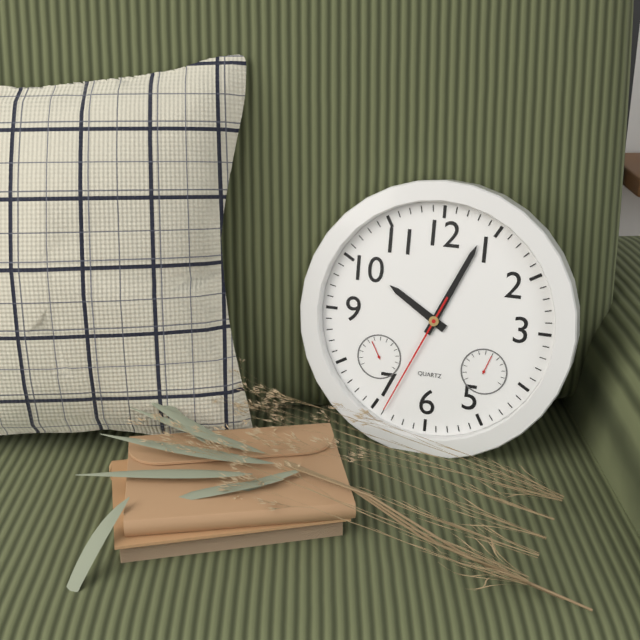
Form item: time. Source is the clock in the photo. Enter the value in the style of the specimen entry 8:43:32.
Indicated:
10:04:34
